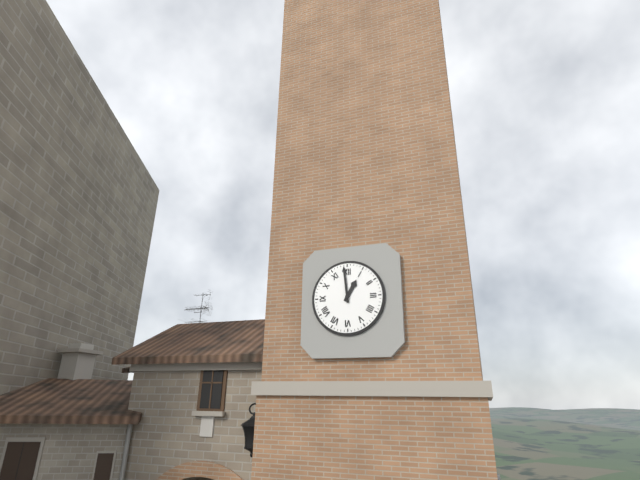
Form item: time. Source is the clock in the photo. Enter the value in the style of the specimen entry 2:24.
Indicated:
12:59
